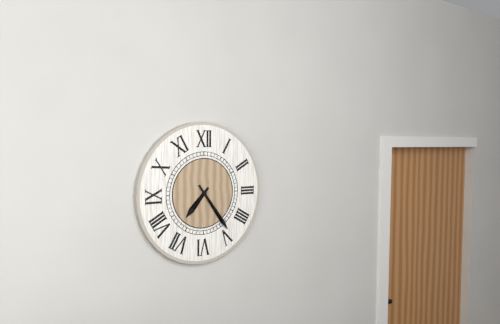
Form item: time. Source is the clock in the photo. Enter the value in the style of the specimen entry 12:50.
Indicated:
7:24
